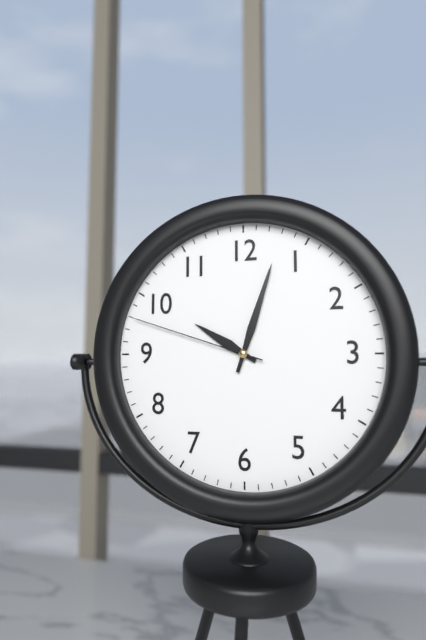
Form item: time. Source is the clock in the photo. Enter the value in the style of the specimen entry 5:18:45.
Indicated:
10:03:48
